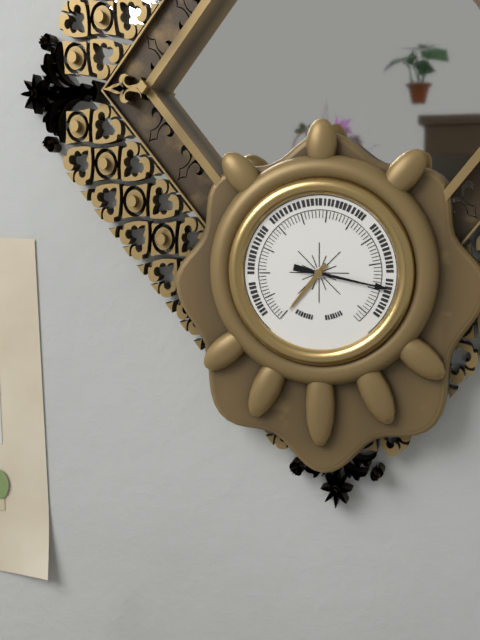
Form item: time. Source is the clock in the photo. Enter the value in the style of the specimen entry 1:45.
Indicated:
7:17
